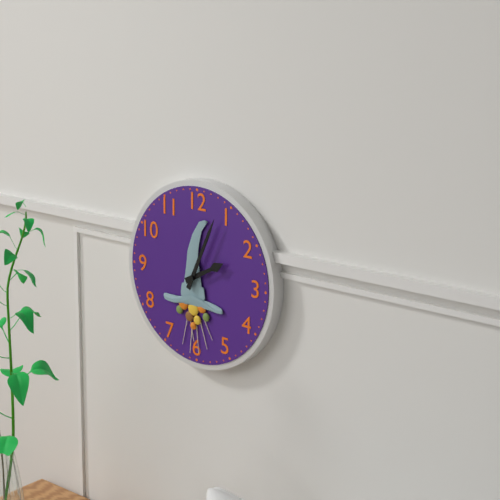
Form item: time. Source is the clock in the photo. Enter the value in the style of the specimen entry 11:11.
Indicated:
2:04
